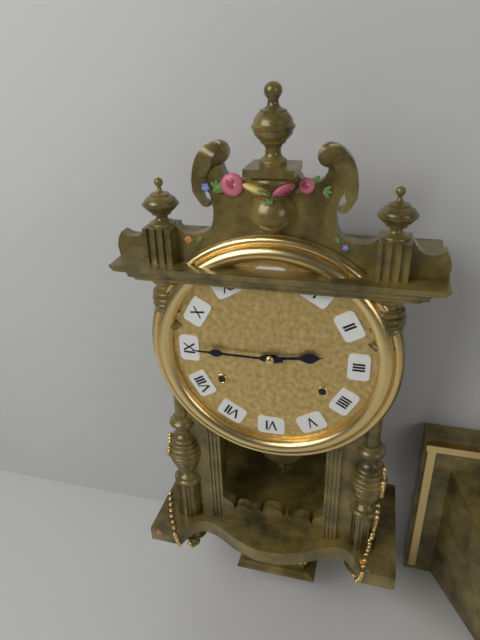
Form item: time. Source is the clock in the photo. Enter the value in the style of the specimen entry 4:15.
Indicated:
2:45
